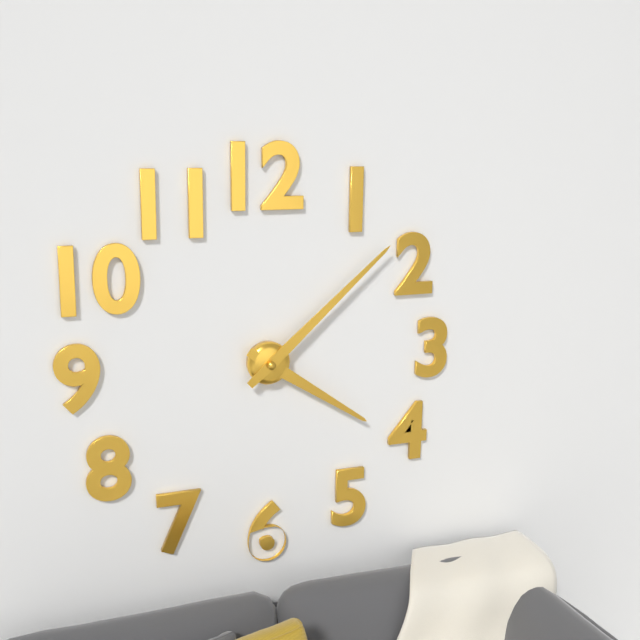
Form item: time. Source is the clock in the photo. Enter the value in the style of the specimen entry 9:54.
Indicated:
4:08
